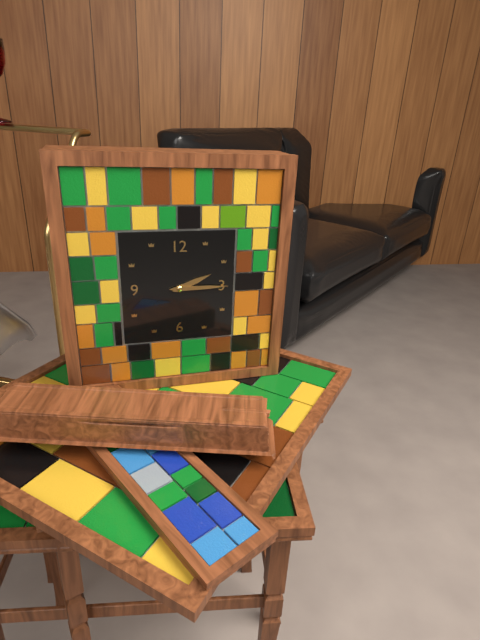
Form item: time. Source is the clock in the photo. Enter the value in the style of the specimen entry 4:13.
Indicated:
2:15
